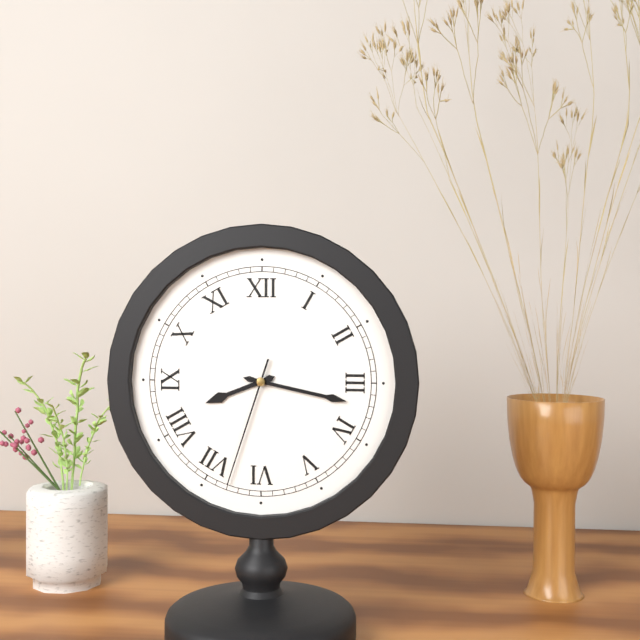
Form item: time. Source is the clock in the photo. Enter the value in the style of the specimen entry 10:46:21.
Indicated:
8:17:33
